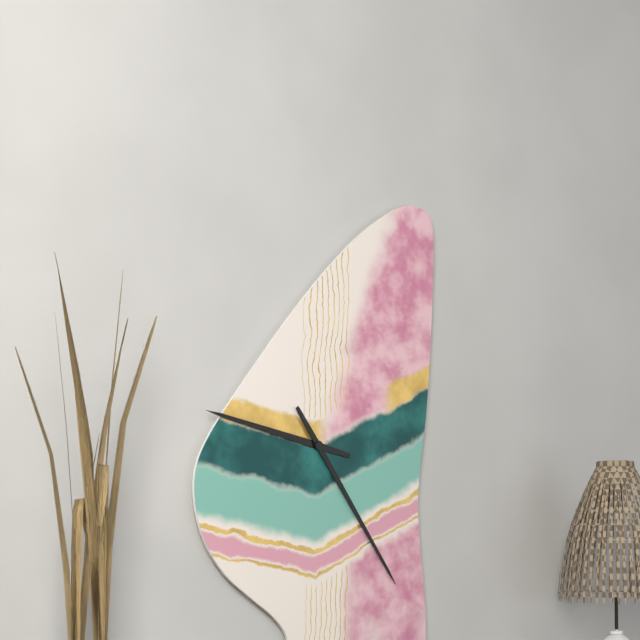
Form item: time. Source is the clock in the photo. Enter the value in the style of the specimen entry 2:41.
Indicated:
9:24
